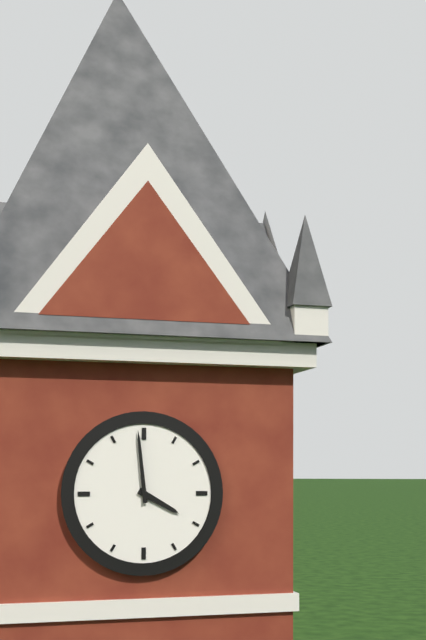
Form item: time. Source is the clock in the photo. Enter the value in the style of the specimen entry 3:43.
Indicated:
3:59
